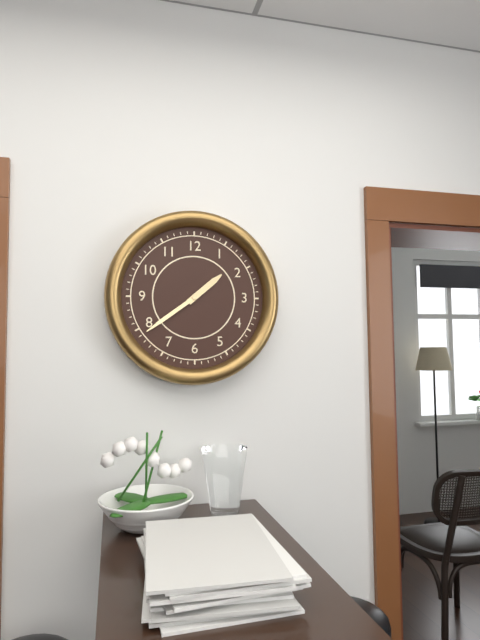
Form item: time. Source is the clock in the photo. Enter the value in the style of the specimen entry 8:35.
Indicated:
1:39
